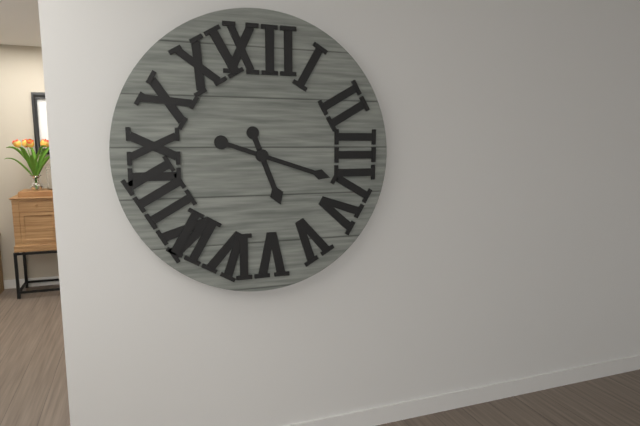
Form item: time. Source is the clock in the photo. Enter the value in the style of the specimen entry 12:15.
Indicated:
5:18
